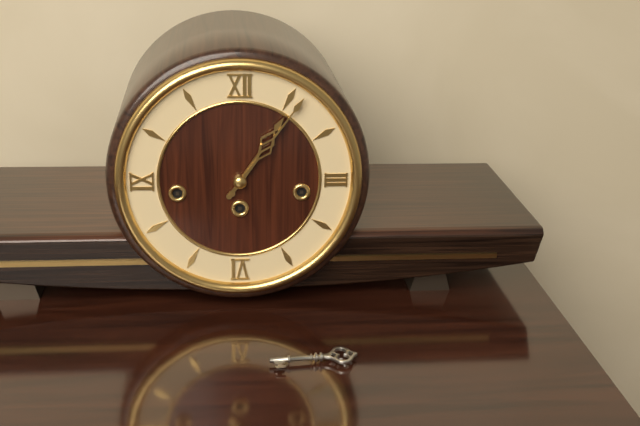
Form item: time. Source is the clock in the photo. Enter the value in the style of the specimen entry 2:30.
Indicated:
1:06
